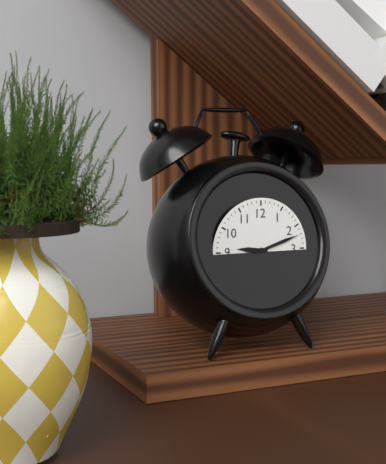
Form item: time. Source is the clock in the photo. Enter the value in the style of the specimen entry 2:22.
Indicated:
9:12
